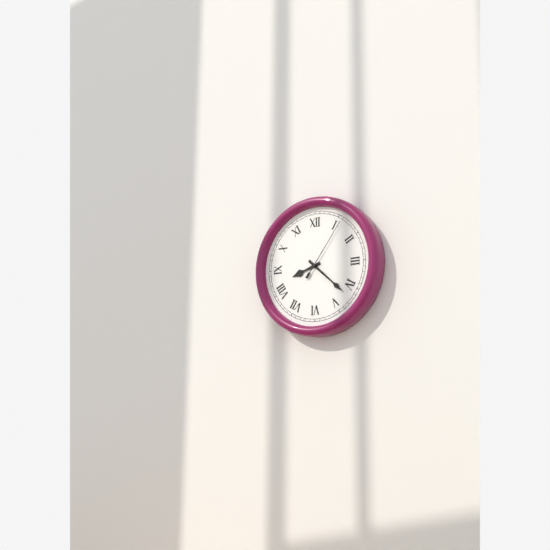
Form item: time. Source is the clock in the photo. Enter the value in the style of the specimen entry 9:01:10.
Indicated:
8:22:06
